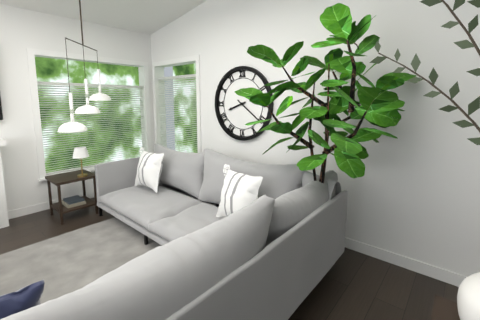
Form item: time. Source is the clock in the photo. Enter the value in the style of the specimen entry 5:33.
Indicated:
8:21
